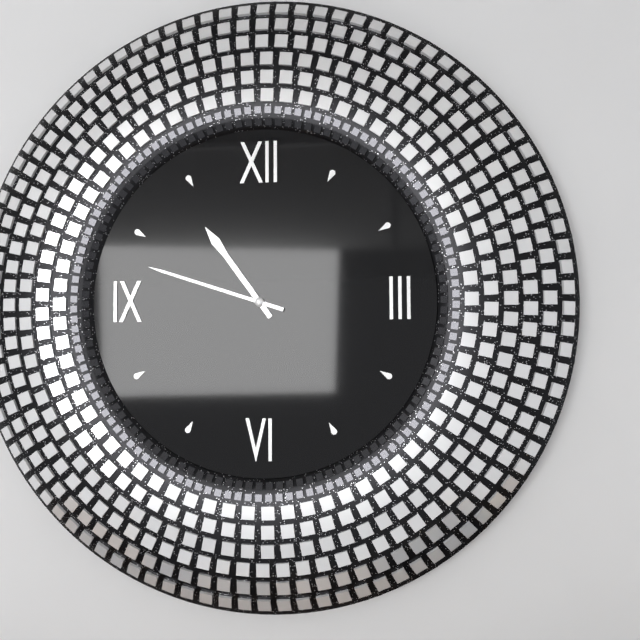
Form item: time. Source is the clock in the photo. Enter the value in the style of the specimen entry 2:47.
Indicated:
10:48
